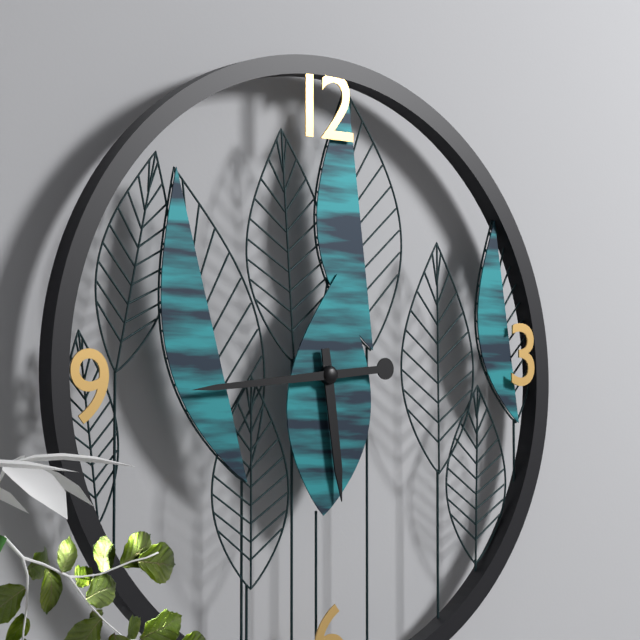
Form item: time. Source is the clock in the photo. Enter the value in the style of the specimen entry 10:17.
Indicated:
5:44
